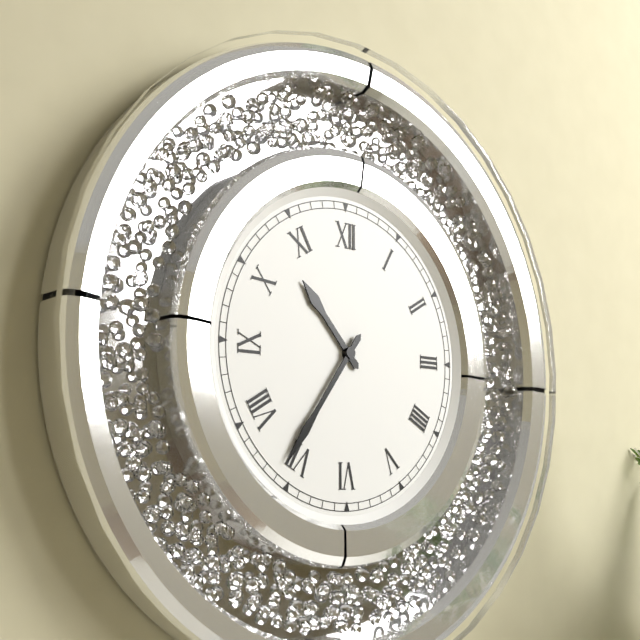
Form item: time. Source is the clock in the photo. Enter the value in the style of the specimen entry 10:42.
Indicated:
10:36
